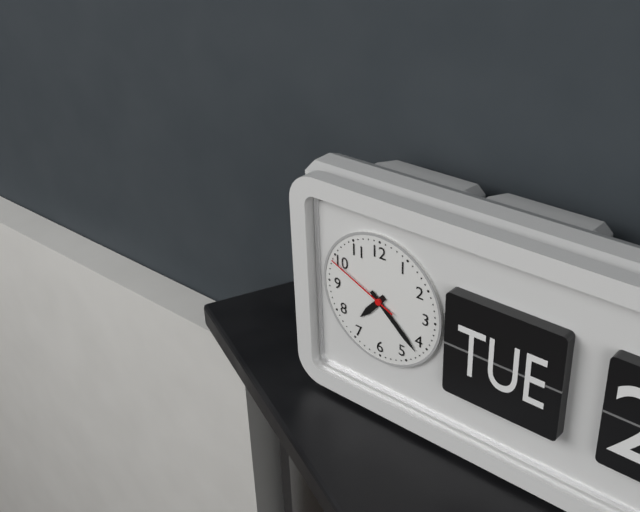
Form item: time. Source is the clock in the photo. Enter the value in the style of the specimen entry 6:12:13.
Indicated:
7:22:49
